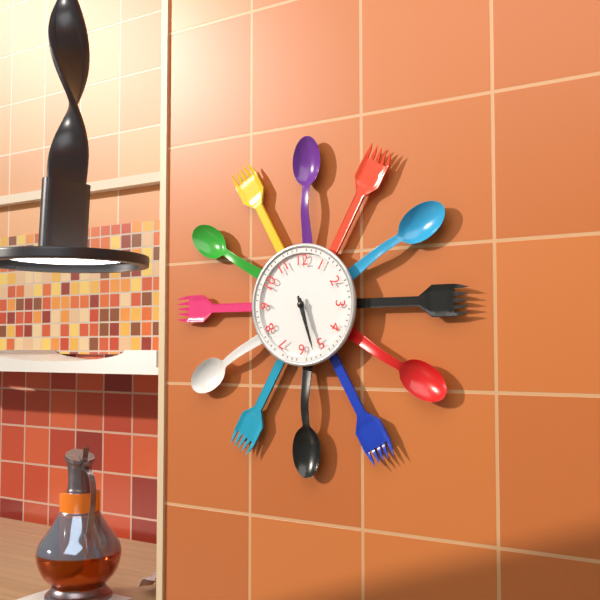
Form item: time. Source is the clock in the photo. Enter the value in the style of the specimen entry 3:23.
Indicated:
5:27
